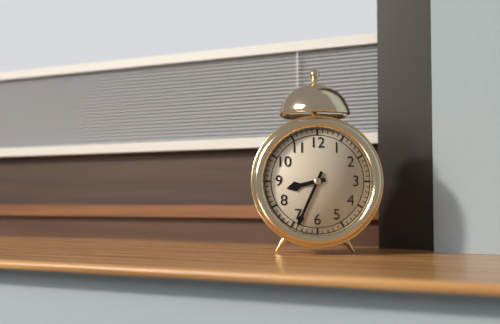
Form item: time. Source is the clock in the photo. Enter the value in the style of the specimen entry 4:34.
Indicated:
8:34
